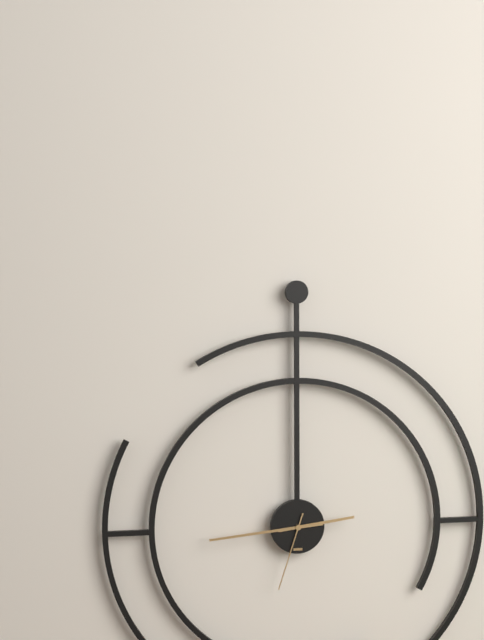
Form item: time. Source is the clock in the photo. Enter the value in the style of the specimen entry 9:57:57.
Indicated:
2:44:33
